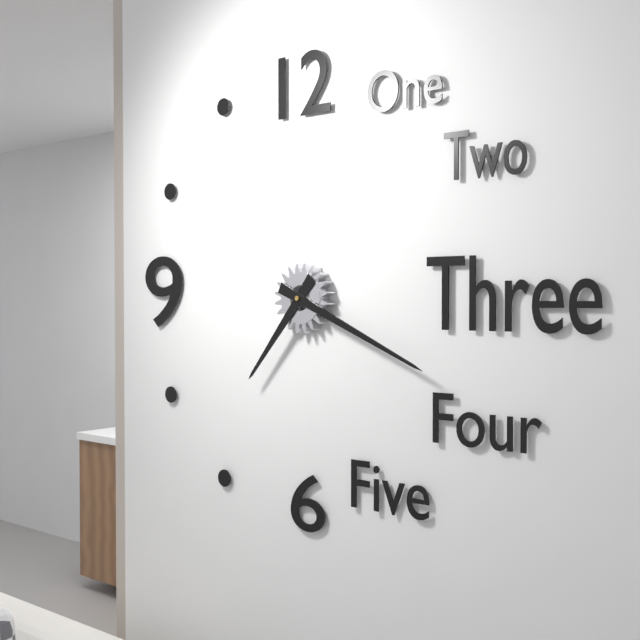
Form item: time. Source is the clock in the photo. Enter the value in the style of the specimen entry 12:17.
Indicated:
7:19
